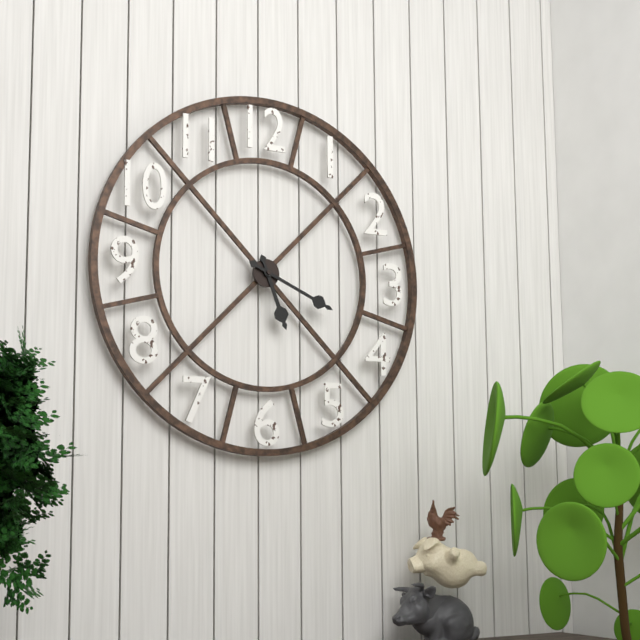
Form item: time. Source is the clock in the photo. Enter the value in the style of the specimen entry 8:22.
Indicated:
5:19
